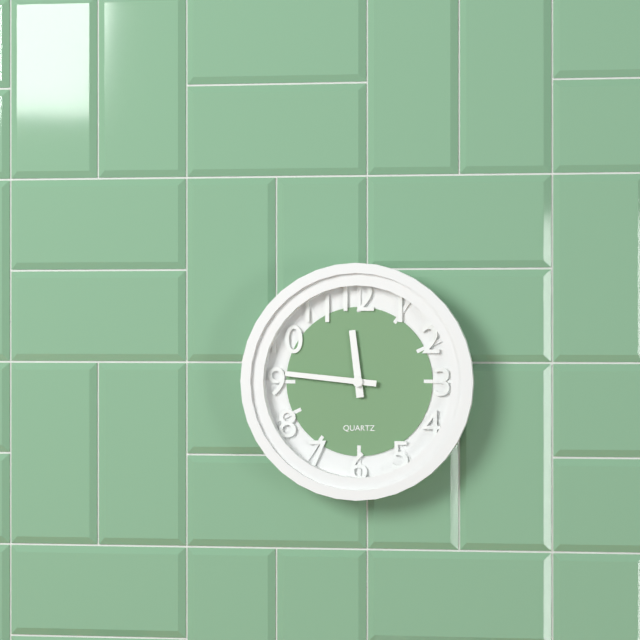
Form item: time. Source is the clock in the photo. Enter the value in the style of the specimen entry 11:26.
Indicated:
11:46
